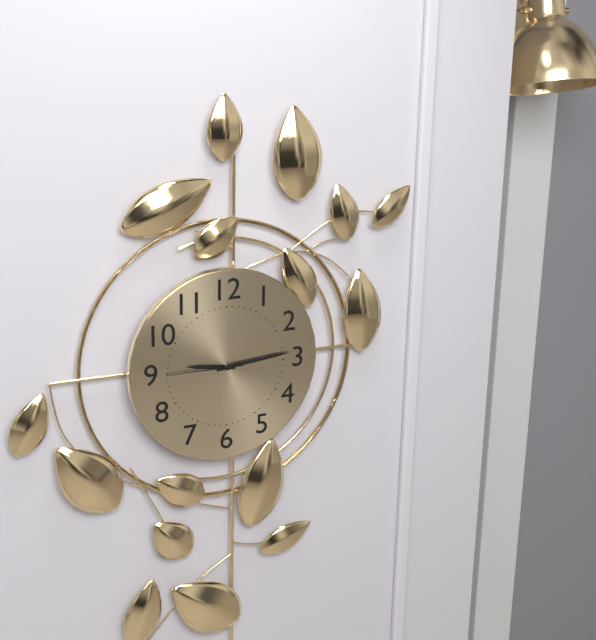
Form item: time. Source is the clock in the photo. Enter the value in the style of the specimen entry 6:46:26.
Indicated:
9:14:45
